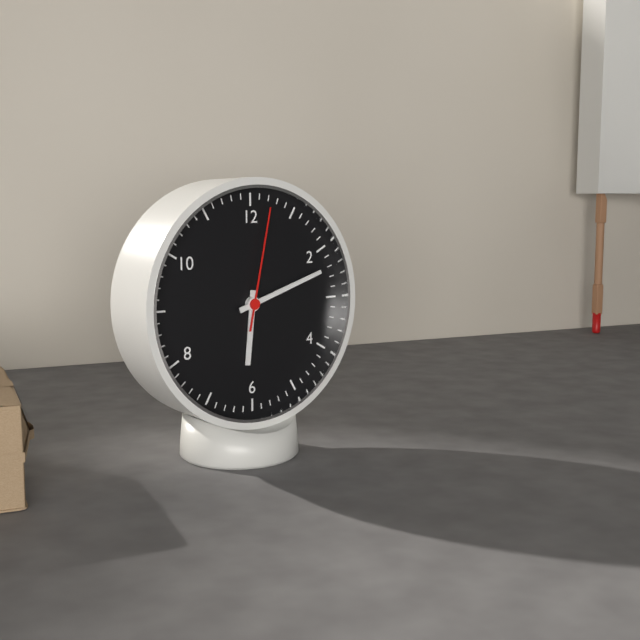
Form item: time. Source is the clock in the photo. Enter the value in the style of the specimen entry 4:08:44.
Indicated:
6:12:02
